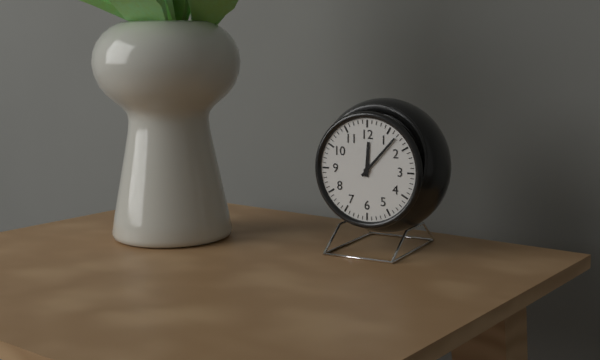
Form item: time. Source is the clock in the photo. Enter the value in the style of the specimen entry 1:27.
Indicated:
12:07
